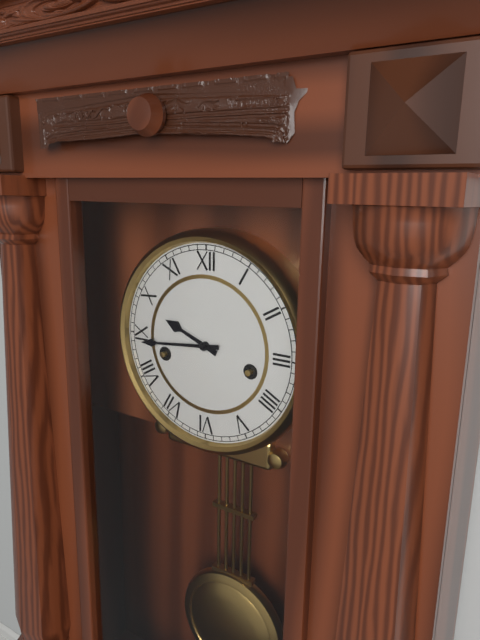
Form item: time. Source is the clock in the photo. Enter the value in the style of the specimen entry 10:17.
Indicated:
9:44
